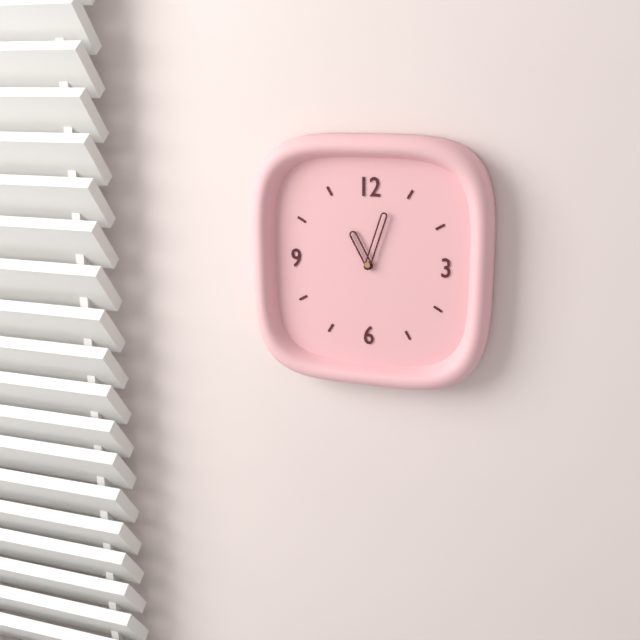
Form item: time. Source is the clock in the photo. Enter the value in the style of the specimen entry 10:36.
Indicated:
11:03
